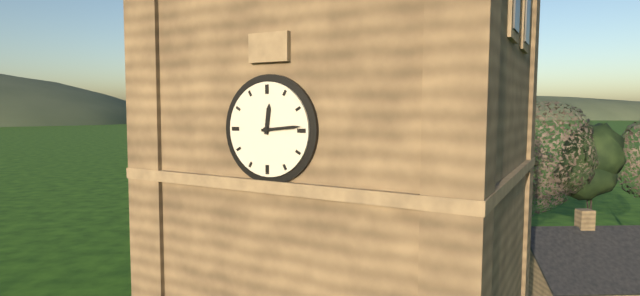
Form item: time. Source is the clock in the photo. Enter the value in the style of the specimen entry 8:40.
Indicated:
12:14
